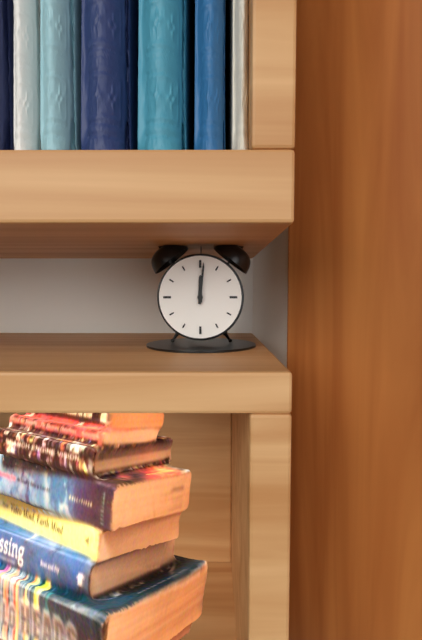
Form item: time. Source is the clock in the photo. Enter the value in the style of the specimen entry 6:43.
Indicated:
12:01
